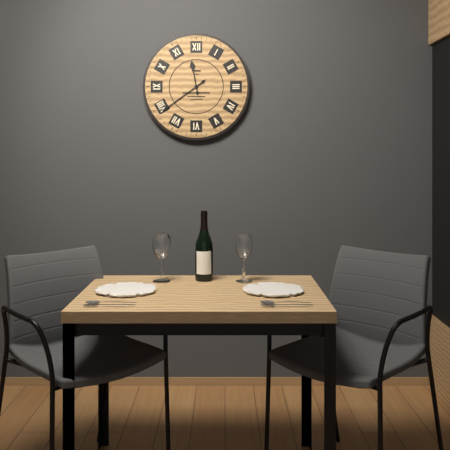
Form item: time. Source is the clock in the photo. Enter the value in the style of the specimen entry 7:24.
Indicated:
11:39
